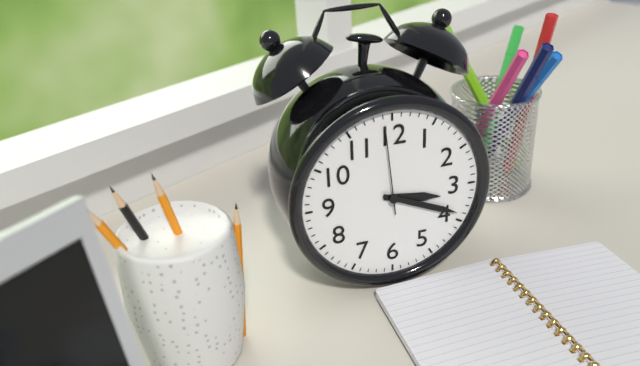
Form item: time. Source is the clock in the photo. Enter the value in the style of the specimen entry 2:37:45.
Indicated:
3:19:59
